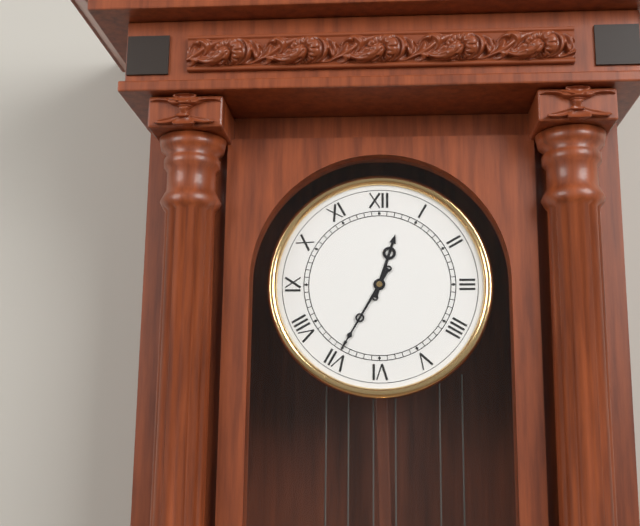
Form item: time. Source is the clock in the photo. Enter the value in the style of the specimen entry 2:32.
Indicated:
12:35
